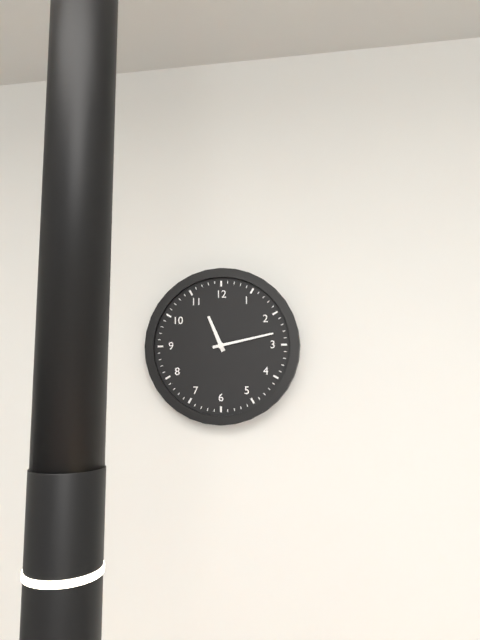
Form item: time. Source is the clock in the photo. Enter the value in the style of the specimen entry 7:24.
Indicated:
11:13
